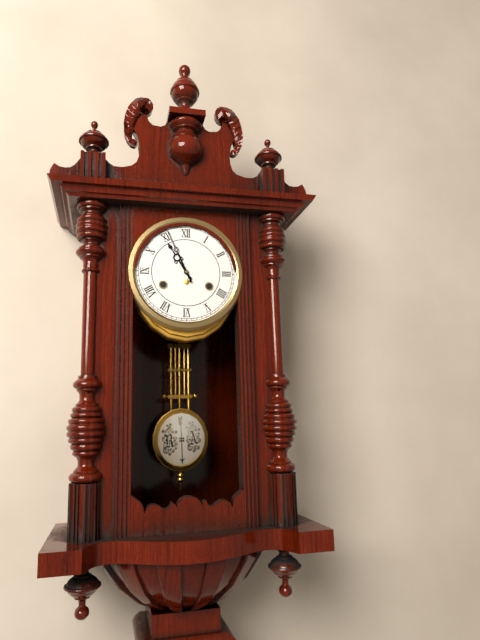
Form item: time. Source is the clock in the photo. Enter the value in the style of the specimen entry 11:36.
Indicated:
10:56
